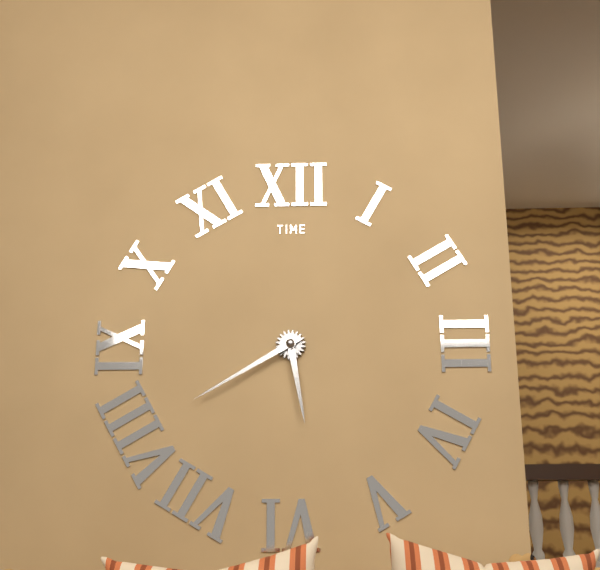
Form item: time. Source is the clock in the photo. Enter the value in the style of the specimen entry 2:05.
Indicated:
5:40
